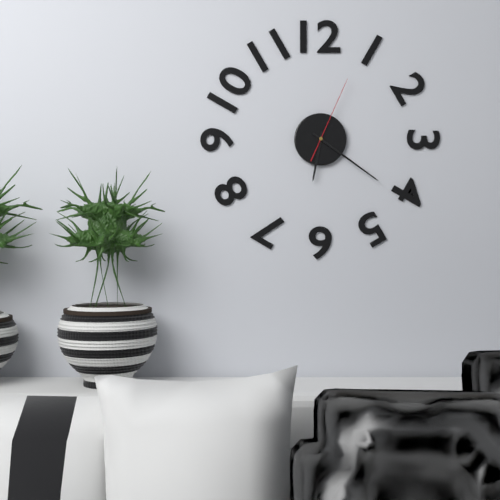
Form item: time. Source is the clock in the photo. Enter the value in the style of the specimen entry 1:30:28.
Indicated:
6:21:04
